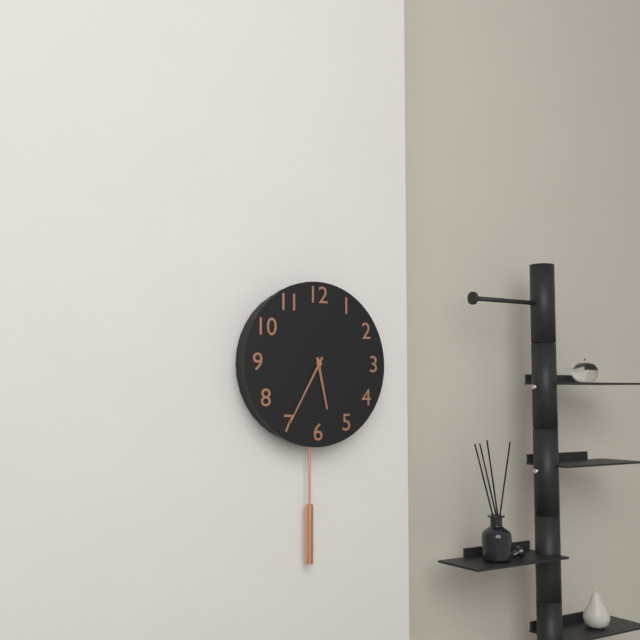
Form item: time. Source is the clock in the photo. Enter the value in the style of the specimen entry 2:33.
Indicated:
5:35
